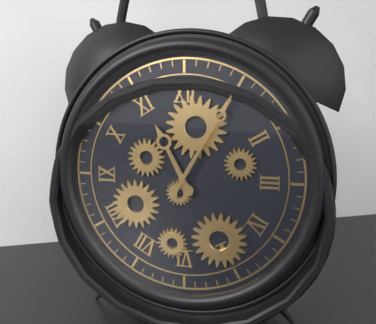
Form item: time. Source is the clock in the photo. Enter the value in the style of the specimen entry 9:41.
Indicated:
11:05
